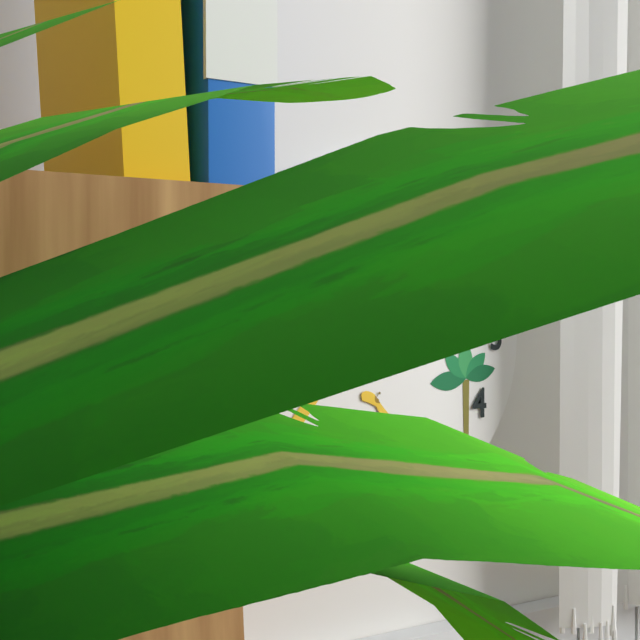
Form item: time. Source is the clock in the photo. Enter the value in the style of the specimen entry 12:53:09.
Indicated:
11:41:16
